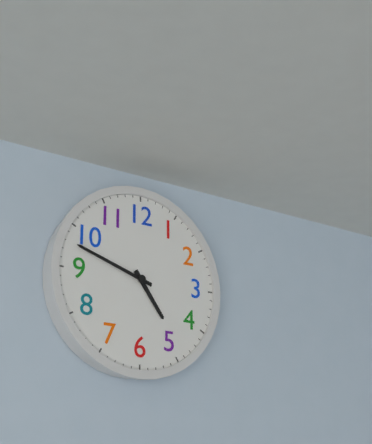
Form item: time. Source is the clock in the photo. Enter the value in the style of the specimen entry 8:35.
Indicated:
4:48
